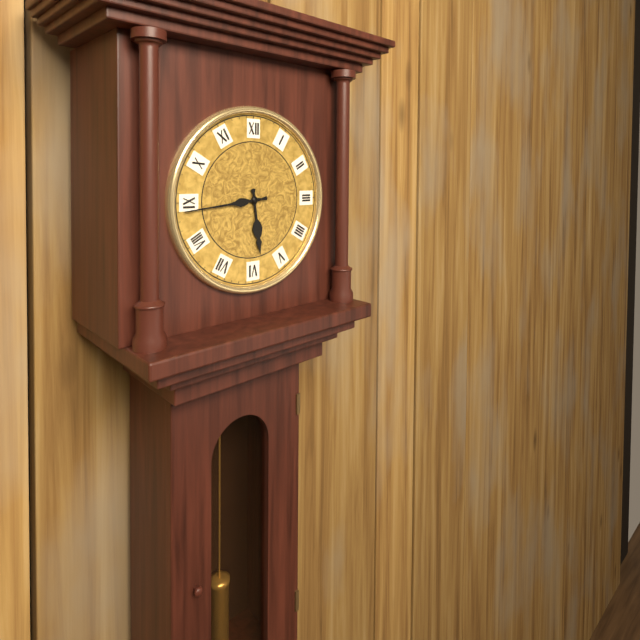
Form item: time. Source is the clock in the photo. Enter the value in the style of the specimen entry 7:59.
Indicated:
5:44
